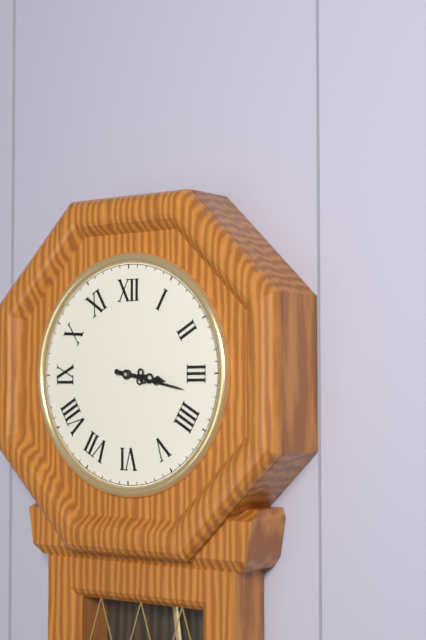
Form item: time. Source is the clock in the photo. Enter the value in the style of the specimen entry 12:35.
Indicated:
3:17
